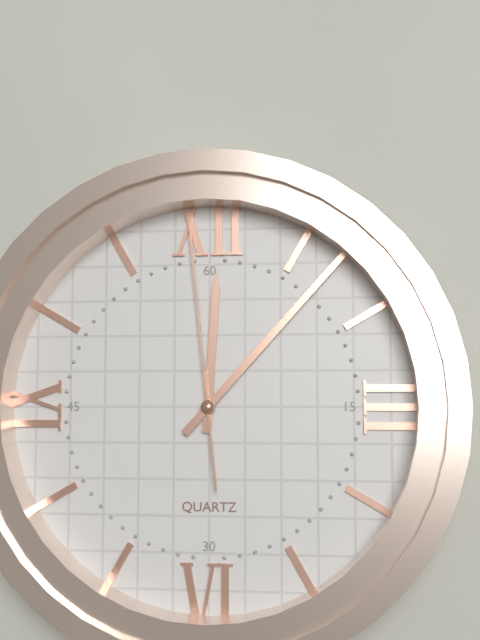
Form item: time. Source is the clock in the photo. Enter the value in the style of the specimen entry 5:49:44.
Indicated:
12:07:59
